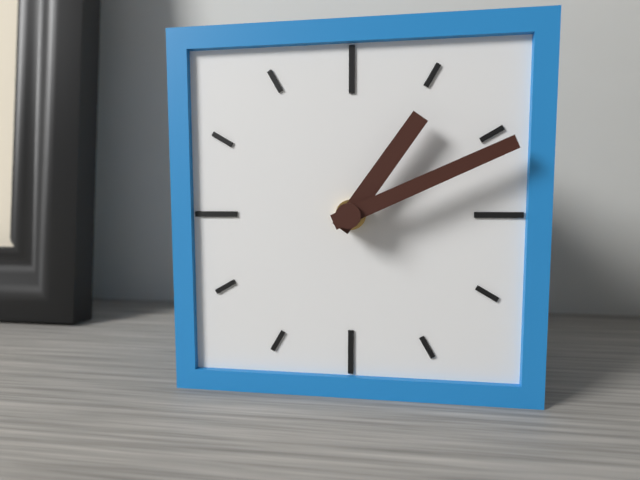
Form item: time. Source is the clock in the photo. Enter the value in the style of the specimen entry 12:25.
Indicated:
1:11
